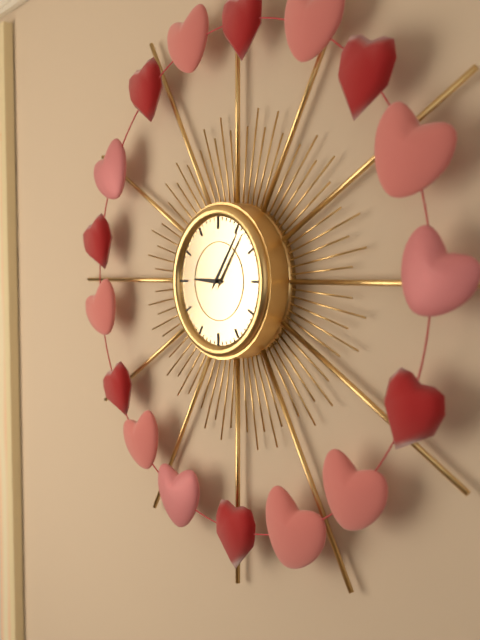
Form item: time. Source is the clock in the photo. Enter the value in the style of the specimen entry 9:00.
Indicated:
9:06
